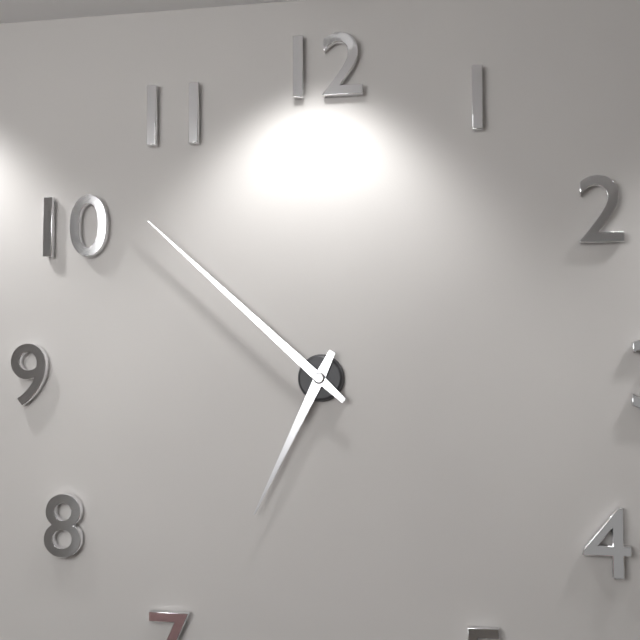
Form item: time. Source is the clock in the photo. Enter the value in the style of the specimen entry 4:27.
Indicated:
6:52
